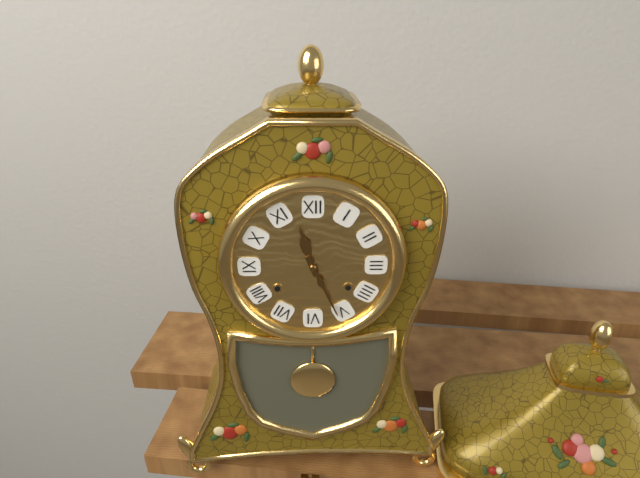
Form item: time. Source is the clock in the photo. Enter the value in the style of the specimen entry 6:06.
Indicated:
11:26
